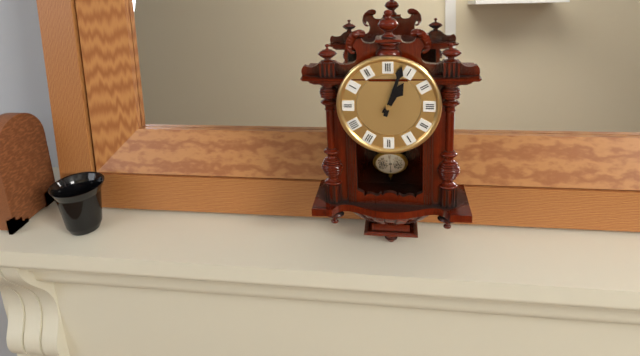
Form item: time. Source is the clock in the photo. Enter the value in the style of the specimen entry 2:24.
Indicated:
1:03
